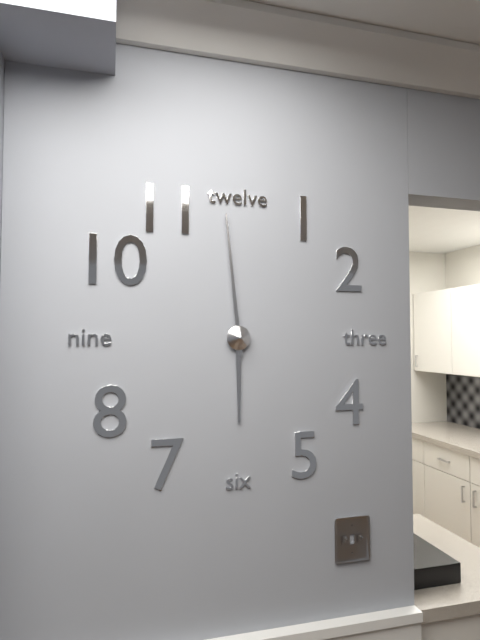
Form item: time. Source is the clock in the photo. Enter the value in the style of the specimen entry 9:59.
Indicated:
5:59
